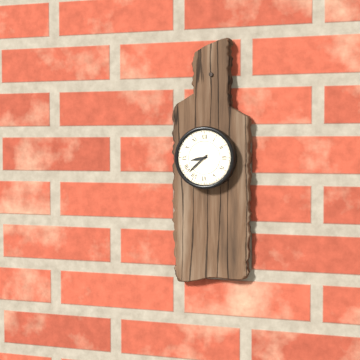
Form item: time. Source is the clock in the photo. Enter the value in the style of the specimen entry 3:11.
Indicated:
8:38
